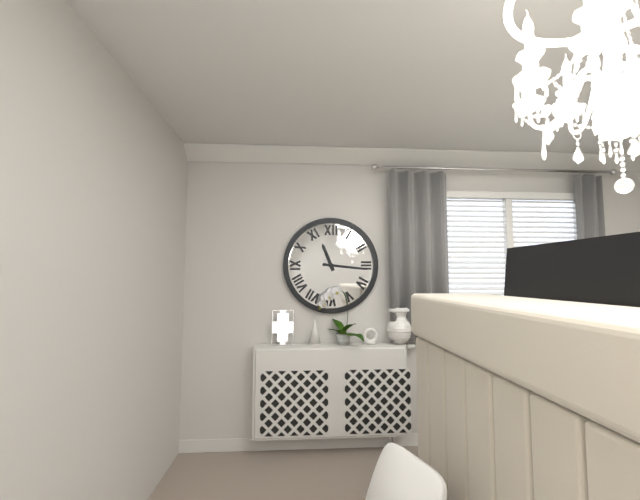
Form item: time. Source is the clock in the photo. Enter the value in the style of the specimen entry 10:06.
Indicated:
11:16
